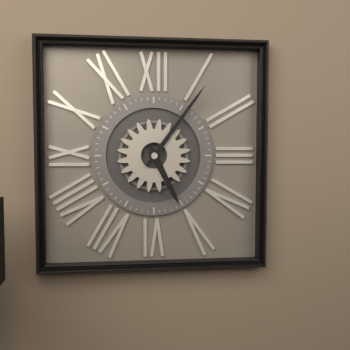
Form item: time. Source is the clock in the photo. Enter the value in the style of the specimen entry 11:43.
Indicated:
5:06
